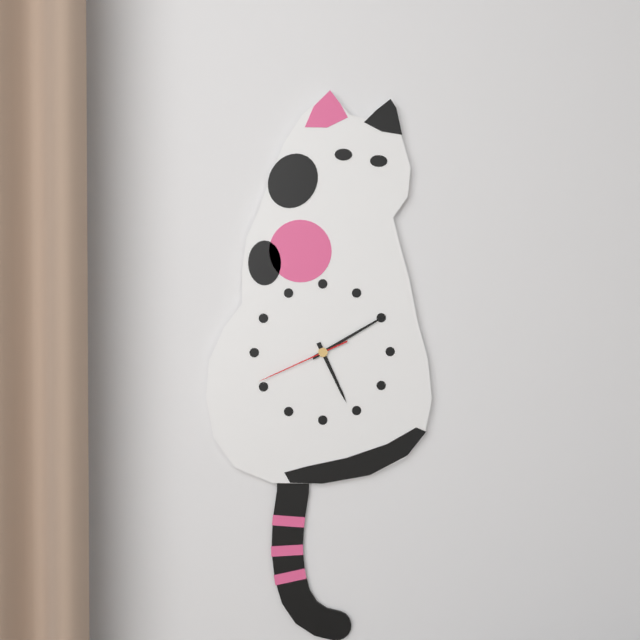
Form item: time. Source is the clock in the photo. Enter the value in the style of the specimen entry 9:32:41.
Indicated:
5:10:41
